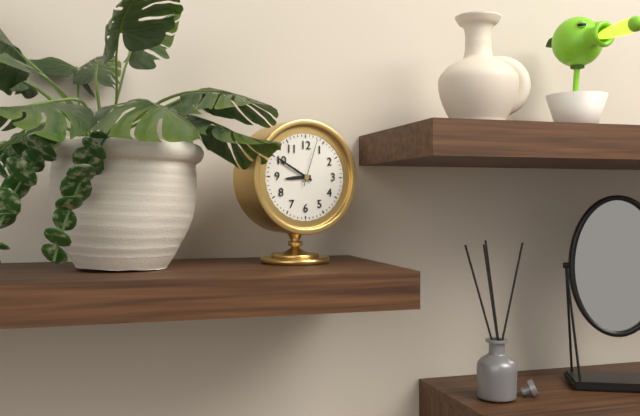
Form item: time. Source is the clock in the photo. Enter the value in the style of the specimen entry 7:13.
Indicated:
8:50
